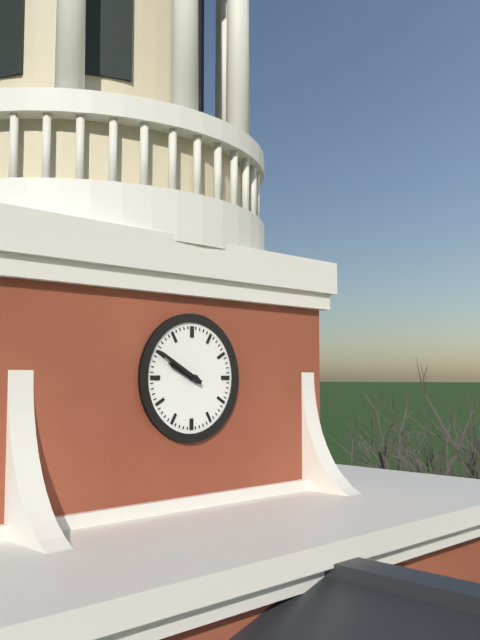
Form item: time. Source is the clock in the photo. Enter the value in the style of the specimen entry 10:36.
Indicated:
9:50
